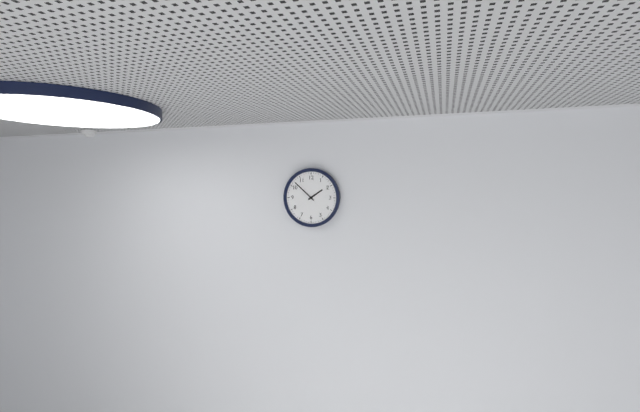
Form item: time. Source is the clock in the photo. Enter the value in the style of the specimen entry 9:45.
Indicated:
1:52
